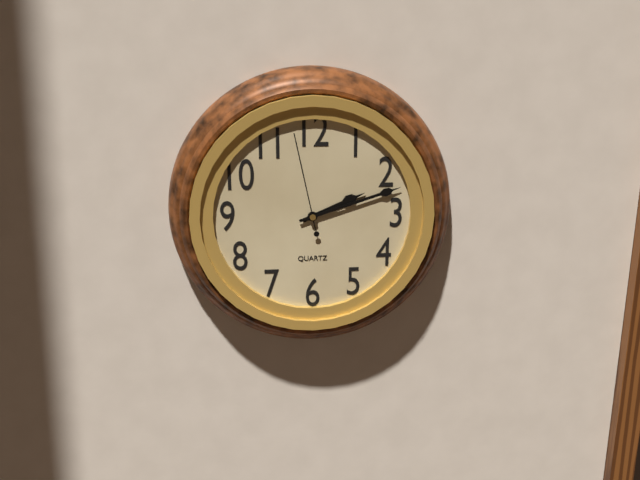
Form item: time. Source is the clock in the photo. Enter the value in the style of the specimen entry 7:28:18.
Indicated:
2:12:58
